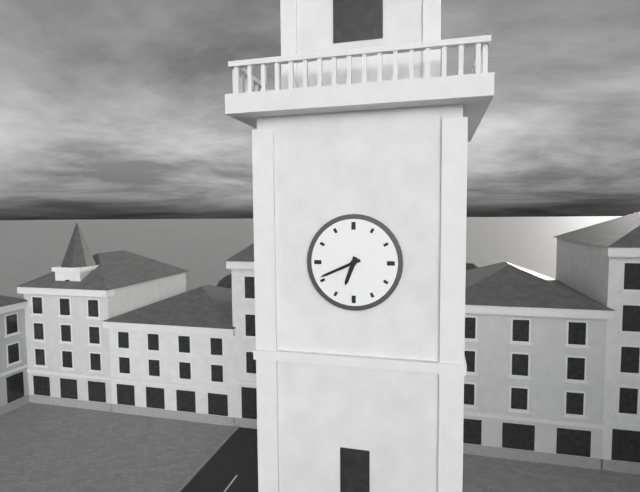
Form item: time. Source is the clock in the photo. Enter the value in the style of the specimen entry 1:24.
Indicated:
6:41
